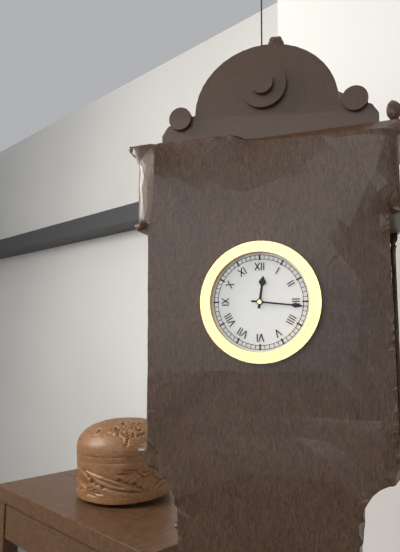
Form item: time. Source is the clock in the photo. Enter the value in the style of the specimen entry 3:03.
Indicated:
12:16
